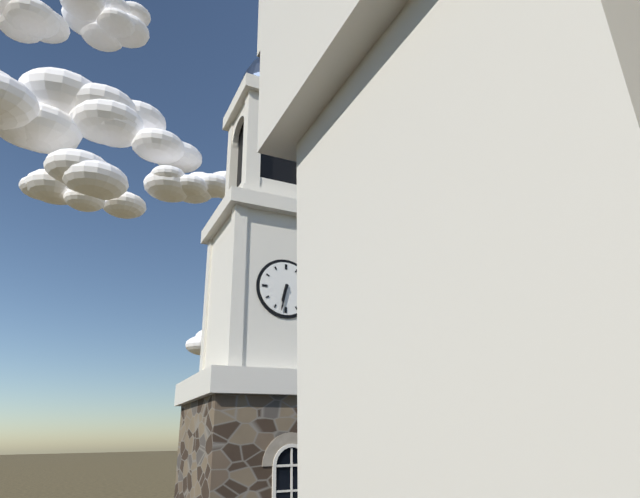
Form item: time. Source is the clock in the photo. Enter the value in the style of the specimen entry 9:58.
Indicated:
6:32
